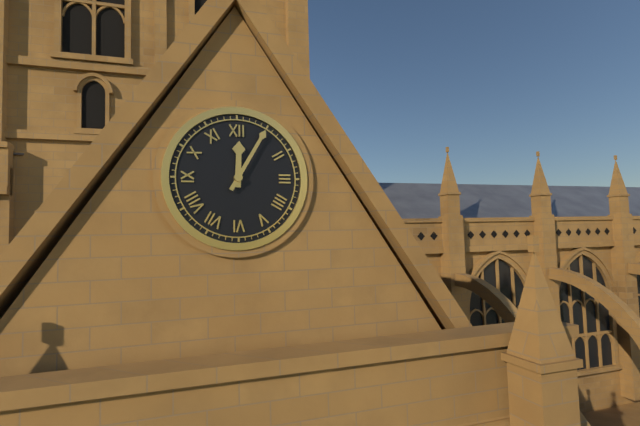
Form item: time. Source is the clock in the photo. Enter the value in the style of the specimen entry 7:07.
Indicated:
12:05
